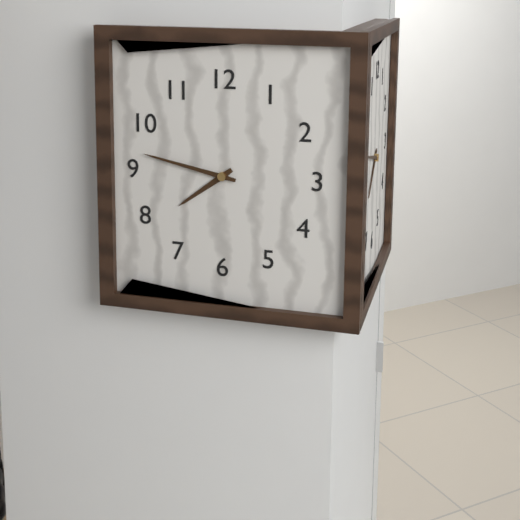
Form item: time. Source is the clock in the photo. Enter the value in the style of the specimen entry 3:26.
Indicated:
7:47
